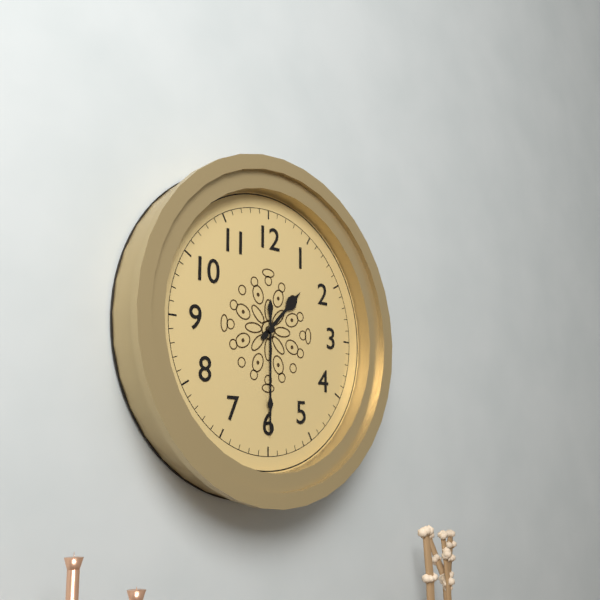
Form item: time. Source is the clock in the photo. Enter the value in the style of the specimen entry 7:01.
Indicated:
1:30
